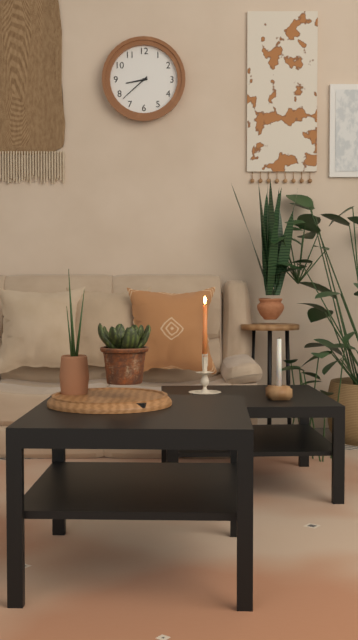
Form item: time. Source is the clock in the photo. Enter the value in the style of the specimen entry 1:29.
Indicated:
8:38
